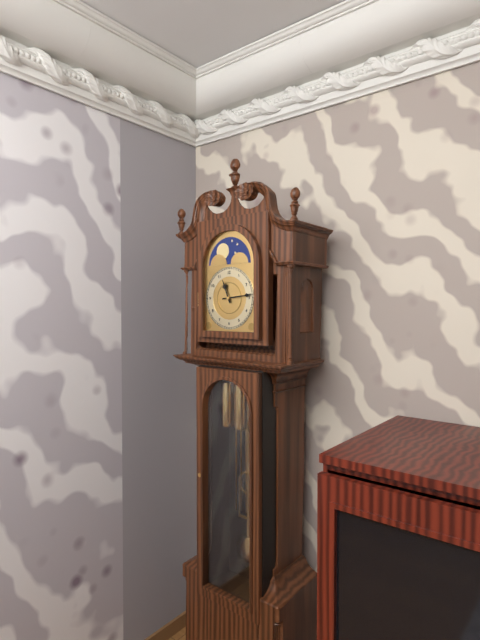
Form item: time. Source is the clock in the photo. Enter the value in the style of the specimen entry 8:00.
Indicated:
11:14
